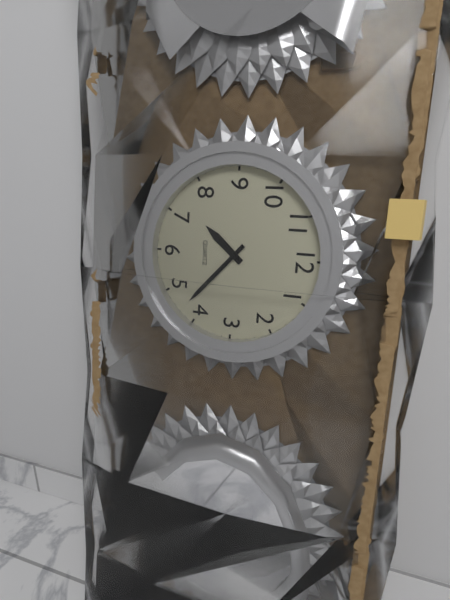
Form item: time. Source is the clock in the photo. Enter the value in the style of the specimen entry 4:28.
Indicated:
7:22
